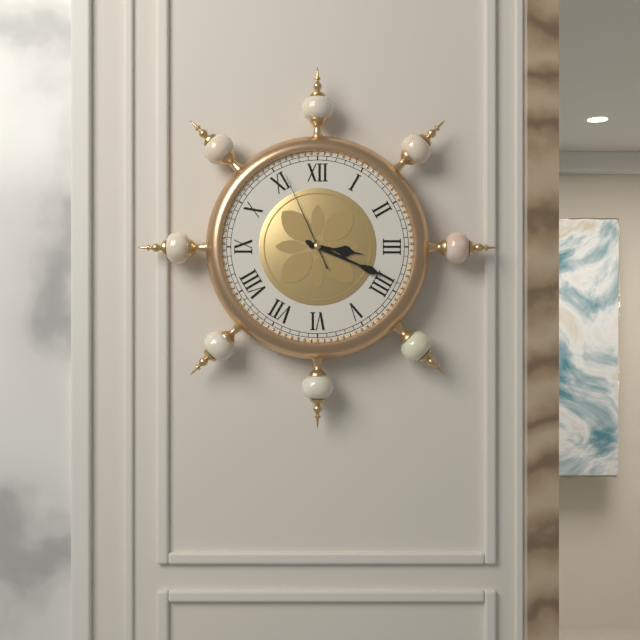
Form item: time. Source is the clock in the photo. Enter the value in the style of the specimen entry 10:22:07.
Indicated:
3:19:56
